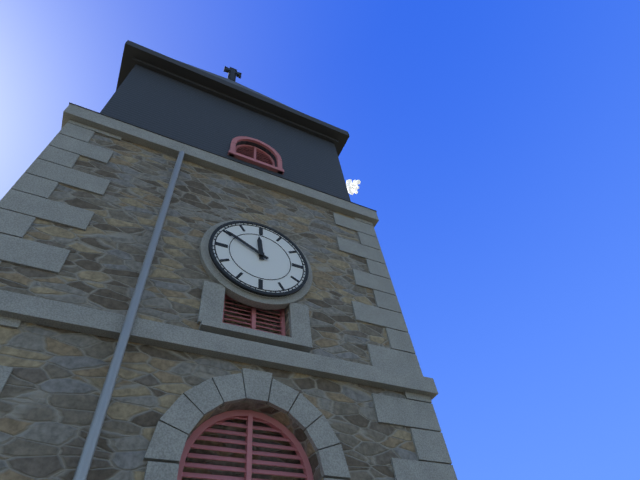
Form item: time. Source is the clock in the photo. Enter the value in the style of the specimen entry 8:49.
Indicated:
11:50
